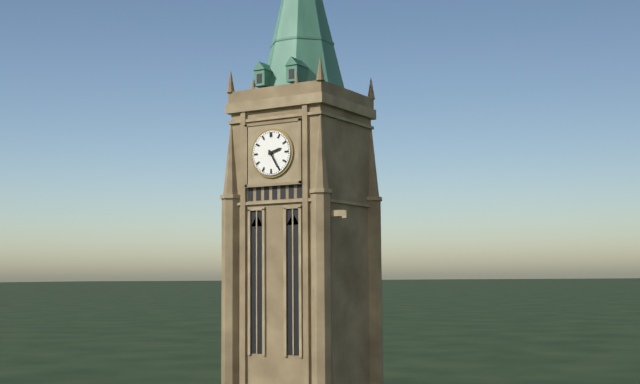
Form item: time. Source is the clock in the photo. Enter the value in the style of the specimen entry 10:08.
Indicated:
2:25
